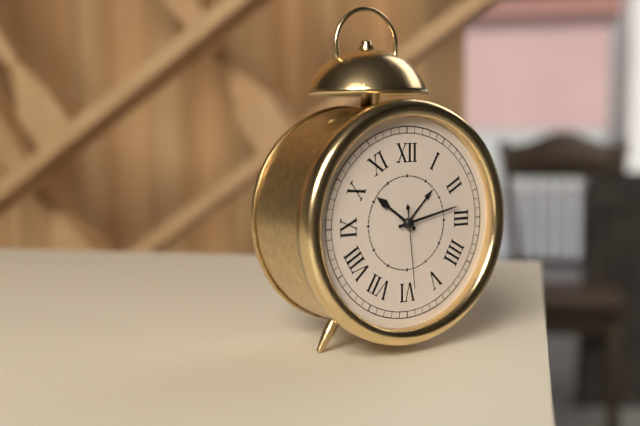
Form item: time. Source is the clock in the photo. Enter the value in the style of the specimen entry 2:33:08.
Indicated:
10:13:29
